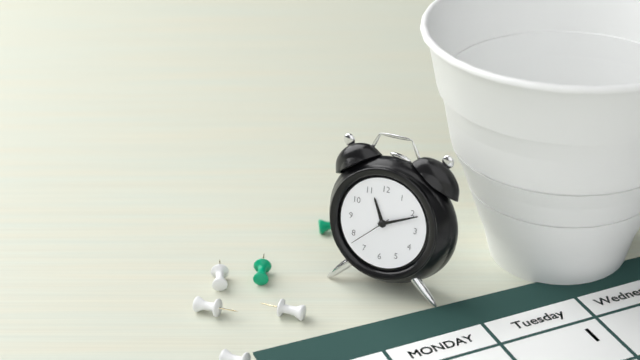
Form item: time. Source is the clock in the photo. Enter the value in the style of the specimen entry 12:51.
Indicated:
11:11
